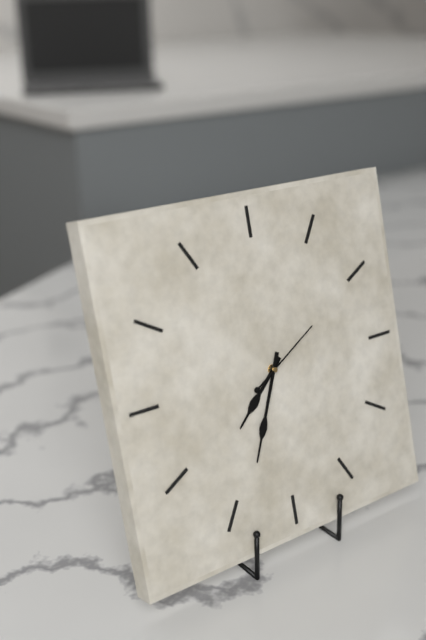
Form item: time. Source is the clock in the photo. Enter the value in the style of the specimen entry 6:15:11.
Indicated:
7:34:10
